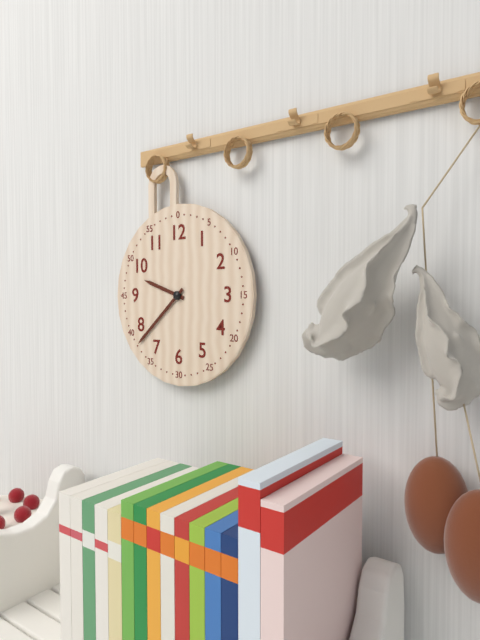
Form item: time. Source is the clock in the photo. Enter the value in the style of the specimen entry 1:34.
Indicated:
9:38
